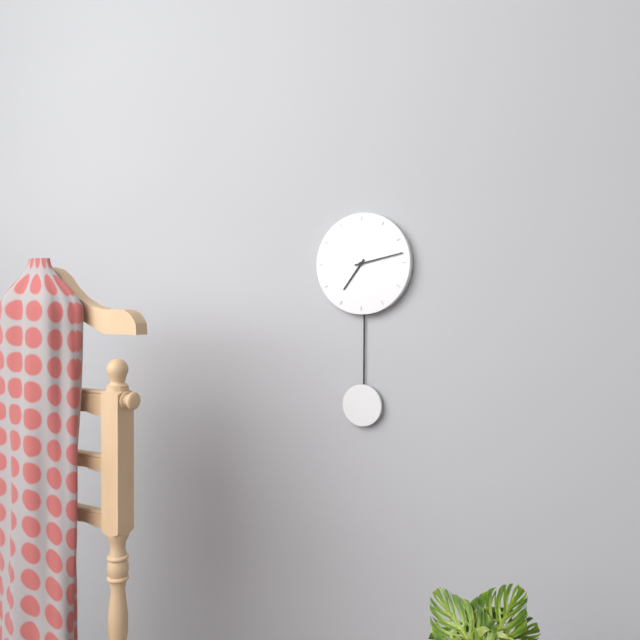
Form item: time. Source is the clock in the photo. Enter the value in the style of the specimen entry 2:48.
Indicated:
7:13
